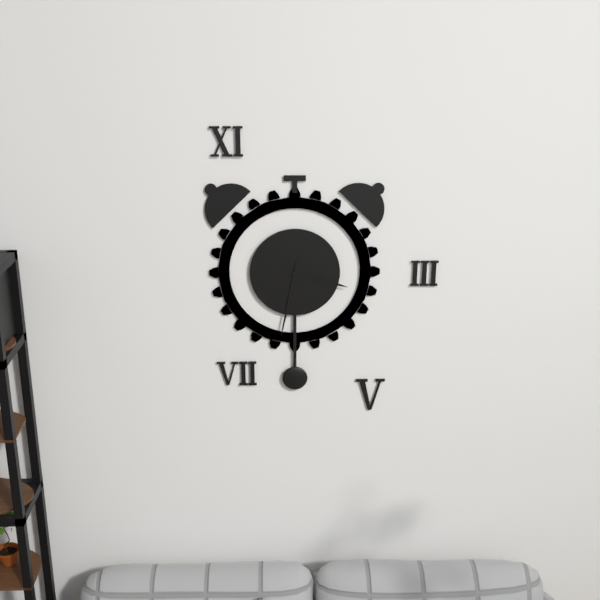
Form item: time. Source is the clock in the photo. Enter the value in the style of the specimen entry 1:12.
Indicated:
3:32
